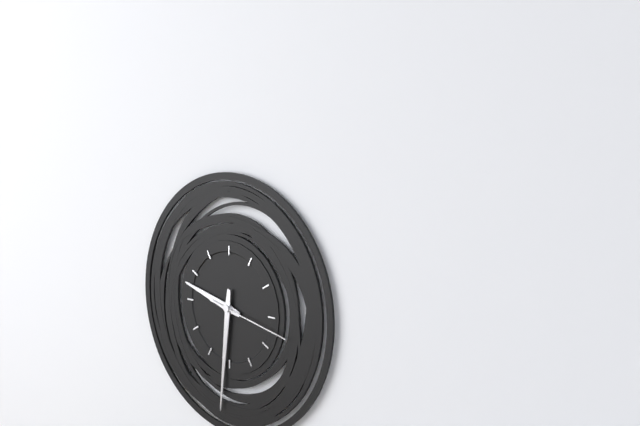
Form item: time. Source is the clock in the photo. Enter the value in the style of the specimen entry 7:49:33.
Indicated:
9:31:17
